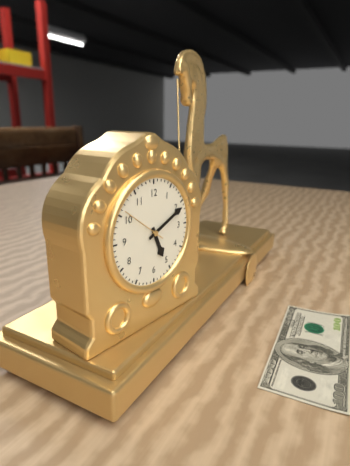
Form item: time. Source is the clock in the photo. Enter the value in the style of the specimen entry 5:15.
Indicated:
5:11
